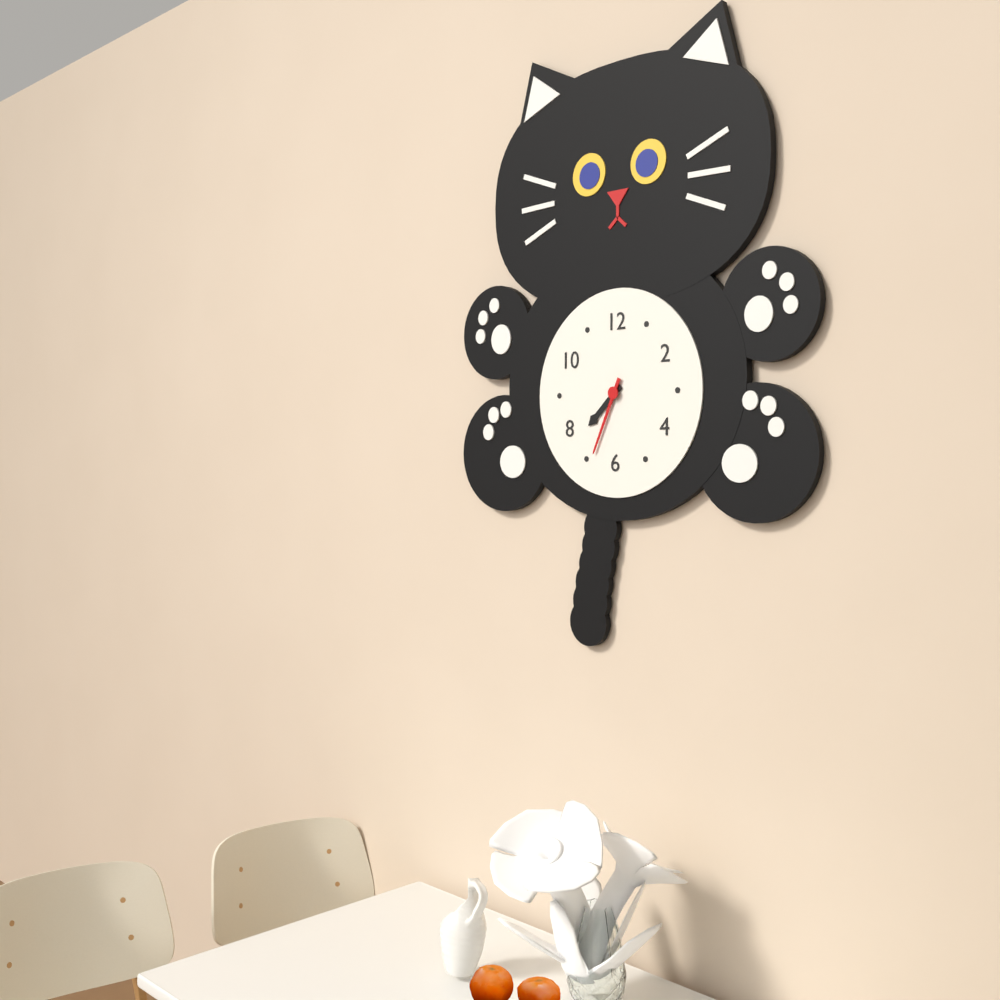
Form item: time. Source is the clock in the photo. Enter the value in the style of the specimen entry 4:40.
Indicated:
7:34
